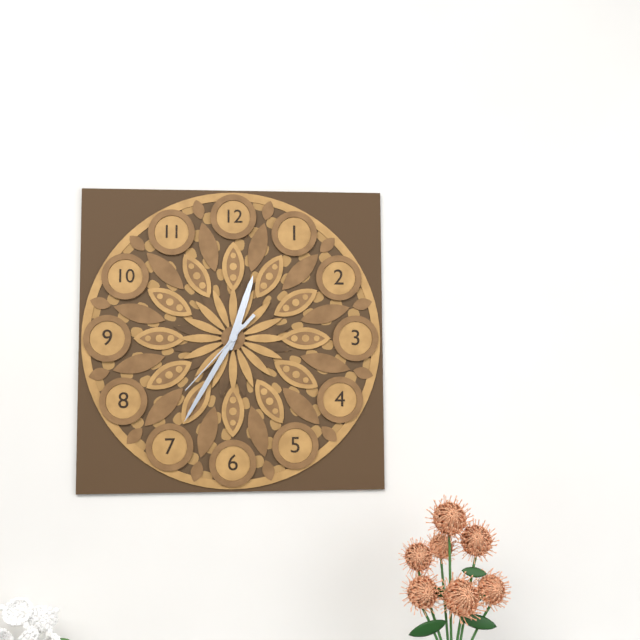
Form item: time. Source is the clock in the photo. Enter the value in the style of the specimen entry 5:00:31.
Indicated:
12:35:37
